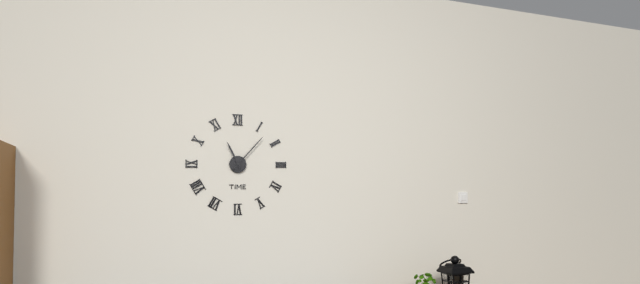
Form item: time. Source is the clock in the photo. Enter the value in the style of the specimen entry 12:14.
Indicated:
11:07
